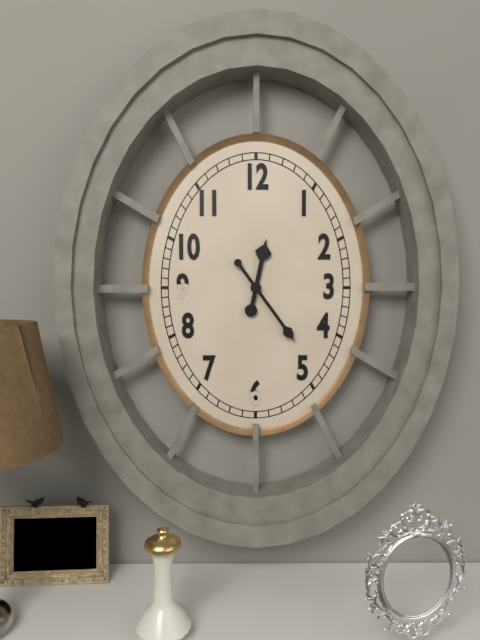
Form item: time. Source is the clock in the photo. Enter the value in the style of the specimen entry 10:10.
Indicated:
12:24
